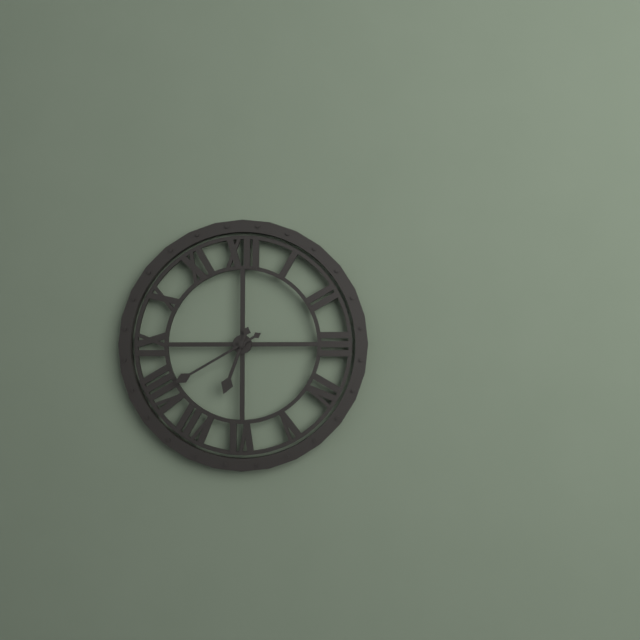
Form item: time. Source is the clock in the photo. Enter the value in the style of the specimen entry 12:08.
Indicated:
6:40
